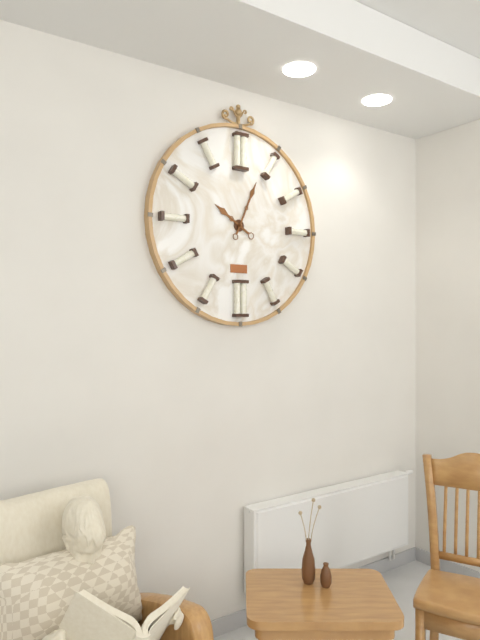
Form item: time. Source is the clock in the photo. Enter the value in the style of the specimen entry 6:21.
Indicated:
10:04
